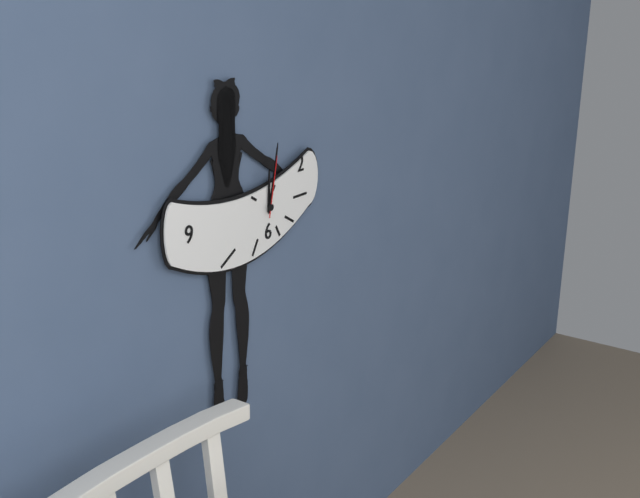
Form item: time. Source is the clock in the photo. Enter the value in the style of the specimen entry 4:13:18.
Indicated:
12:02:02
